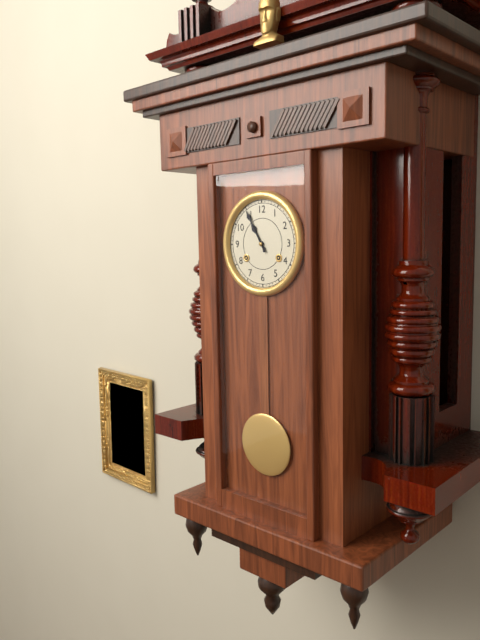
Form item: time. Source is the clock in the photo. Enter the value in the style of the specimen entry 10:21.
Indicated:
10:55
